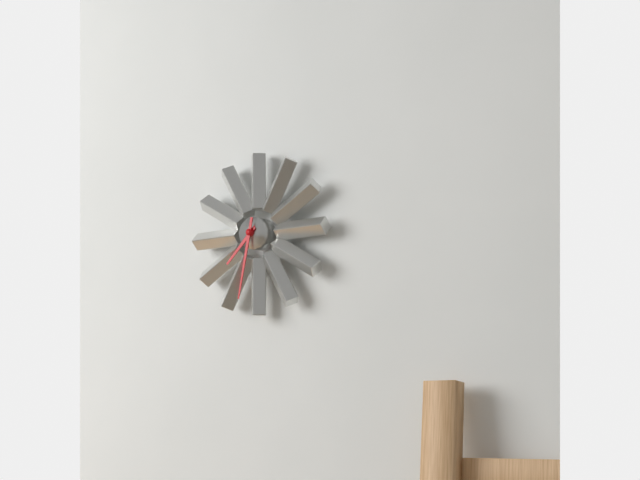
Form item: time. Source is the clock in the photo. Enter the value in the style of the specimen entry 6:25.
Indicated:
7:32
